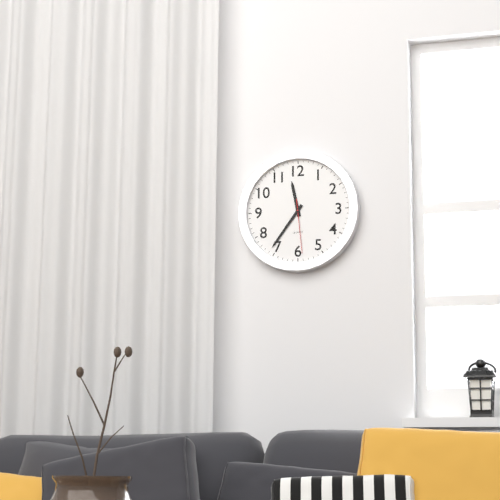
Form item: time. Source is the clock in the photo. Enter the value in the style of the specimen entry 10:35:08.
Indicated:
11:36:29
